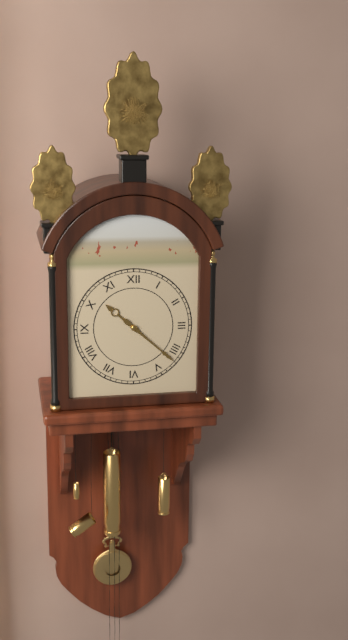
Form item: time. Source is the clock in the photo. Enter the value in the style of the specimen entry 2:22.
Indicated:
10:22
